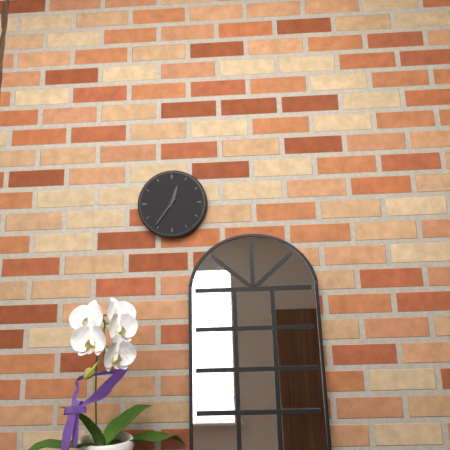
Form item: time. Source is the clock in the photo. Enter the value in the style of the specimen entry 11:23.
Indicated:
12:36
